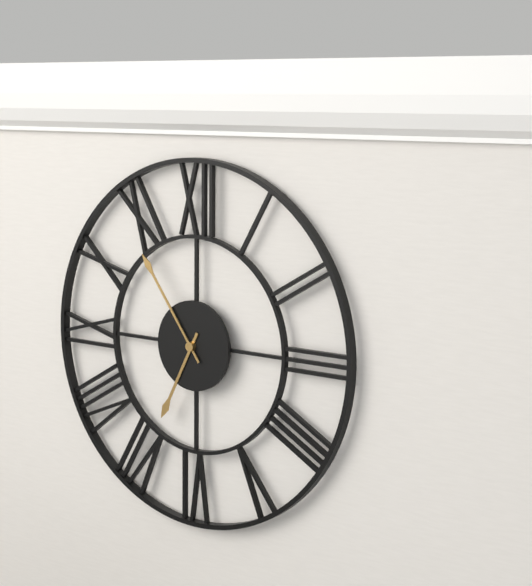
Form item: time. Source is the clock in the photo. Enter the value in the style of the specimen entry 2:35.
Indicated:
6:54
